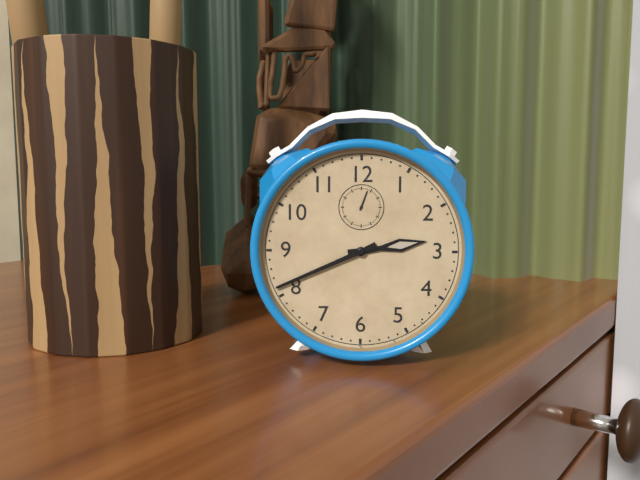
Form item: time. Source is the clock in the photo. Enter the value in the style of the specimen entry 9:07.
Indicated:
2:41
